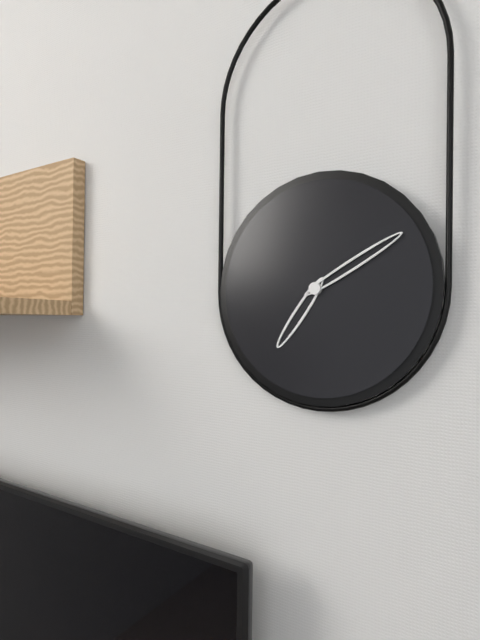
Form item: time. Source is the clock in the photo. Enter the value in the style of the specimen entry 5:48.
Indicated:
7:10
